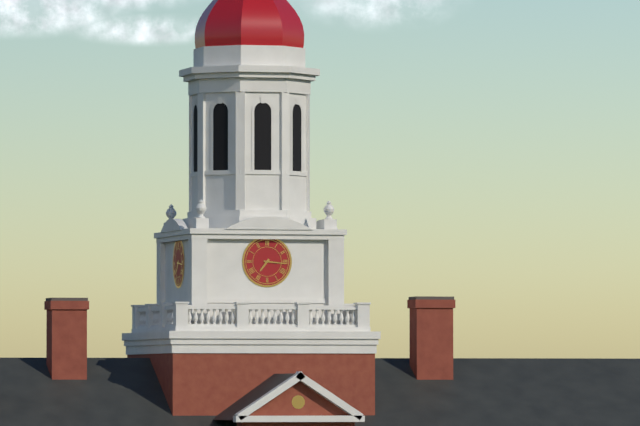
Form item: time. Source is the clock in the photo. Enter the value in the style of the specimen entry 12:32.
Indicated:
7:16
